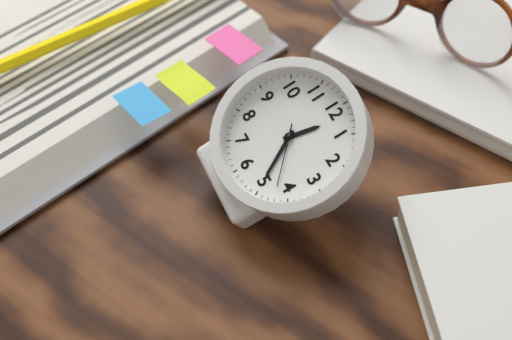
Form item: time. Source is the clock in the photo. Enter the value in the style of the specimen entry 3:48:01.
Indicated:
12:25:22
